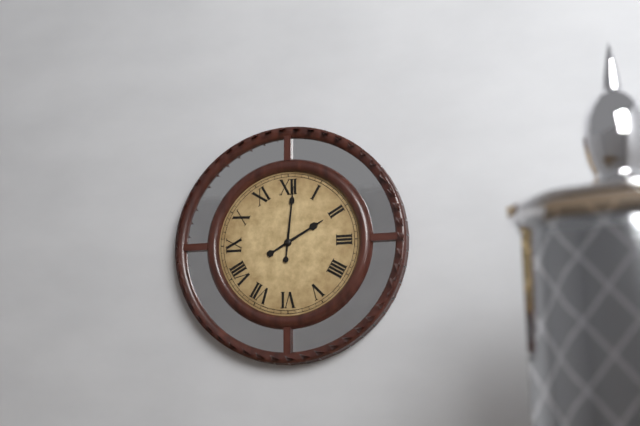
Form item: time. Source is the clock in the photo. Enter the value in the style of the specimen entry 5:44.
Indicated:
2:01
